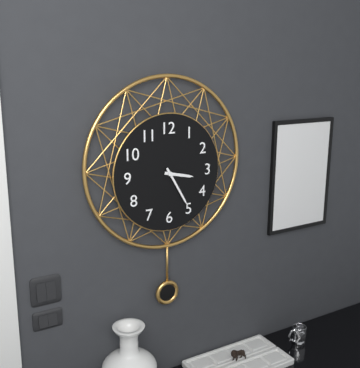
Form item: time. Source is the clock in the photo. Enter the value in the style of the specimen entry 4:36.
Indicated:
3:25
